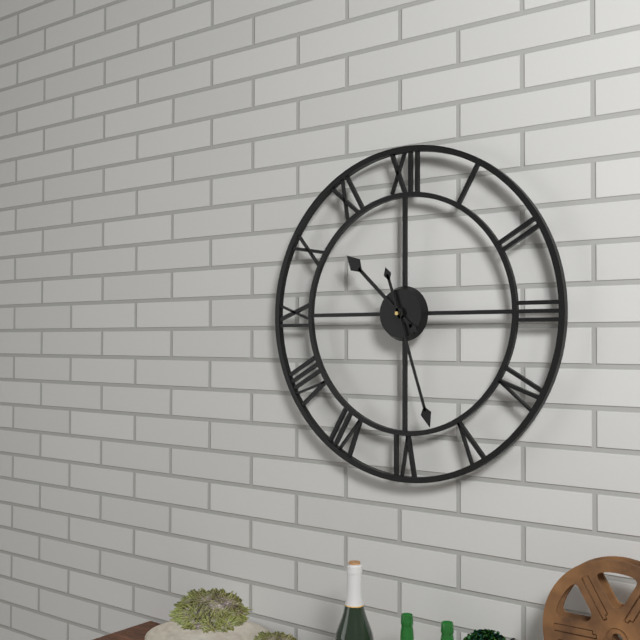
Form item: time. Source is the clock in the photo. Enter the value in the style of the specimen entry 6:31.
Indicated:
10:27
